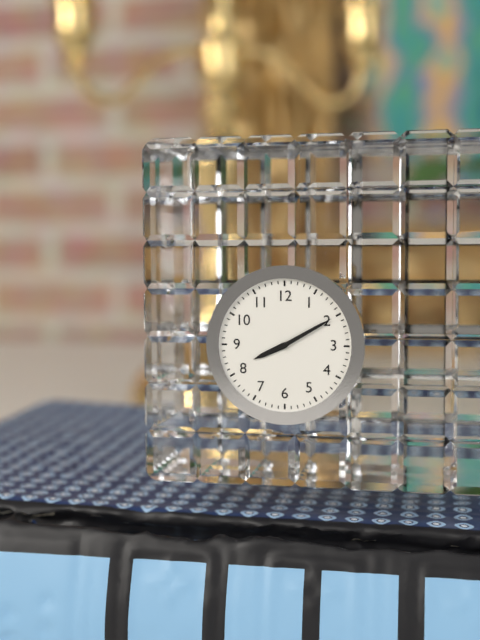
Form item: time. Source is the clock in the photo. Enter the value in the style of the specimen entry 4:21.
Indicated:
8:10
